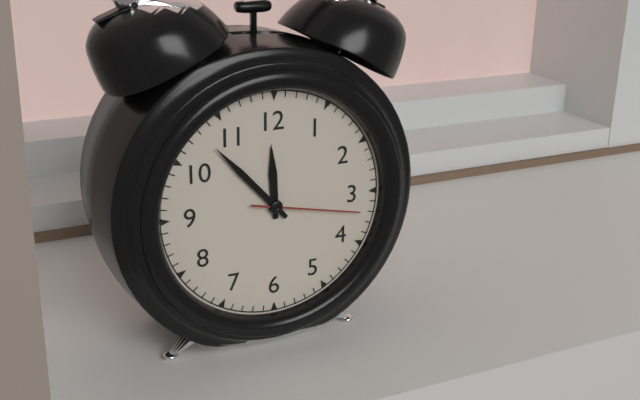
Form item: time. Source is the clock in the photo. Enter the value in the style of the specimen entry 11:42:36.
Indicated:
11:53:17
